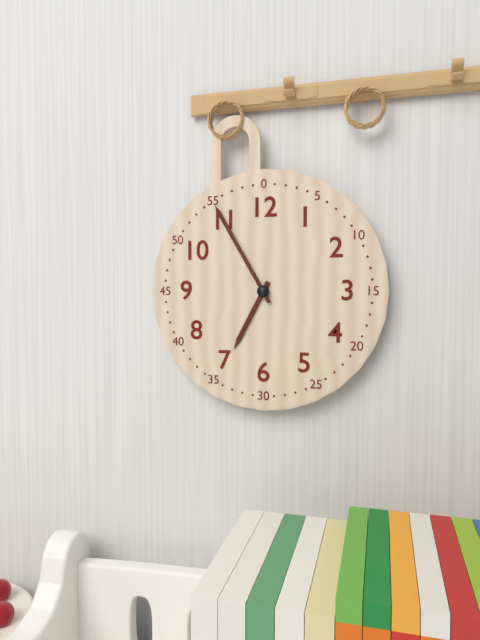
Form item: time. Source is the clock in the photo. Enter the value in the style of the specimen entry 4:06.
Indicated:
6:55
